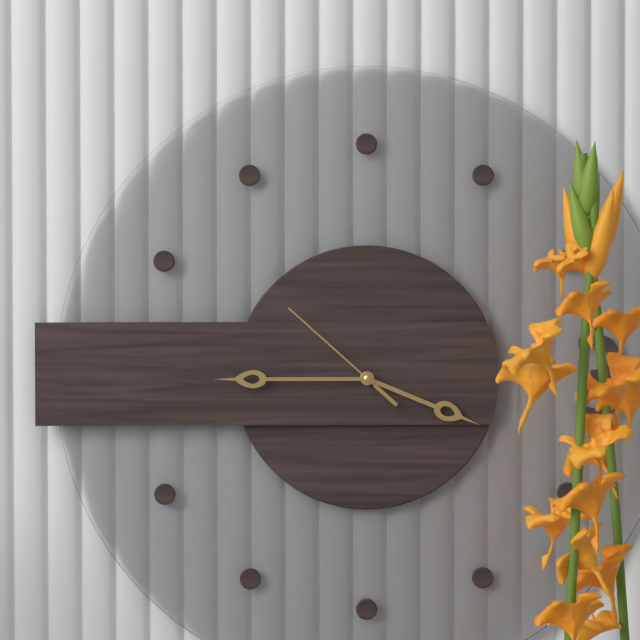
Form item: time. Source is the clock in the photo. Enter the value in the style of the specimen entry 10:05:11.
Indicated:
3:45:52
